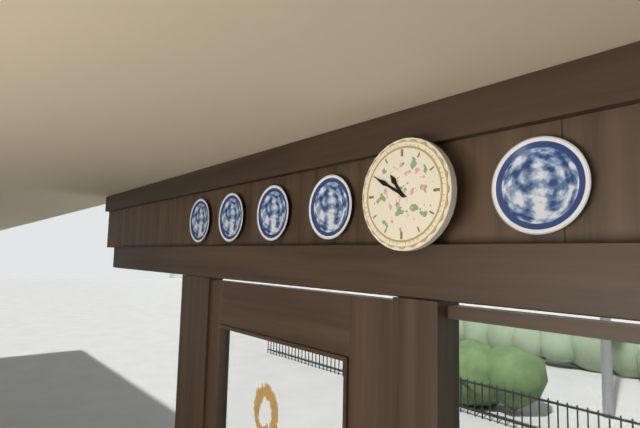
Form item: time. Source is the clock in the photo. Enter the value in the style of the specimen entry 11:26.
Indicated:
10:50
